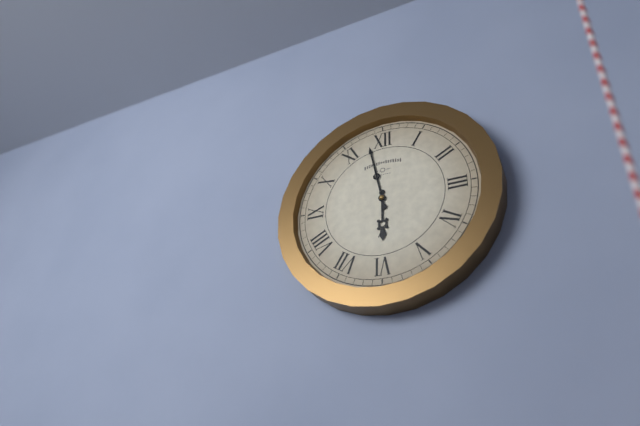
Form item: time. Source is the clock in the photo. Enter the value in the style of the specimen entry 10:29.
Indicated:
5:58
